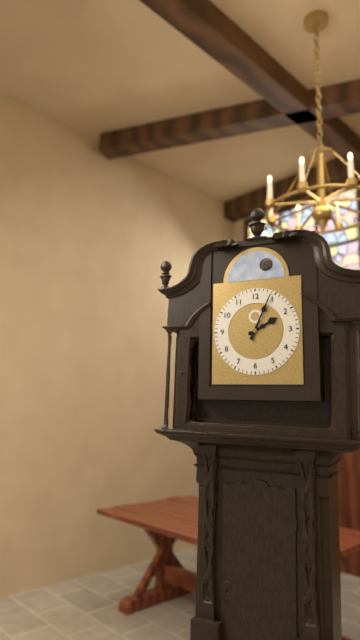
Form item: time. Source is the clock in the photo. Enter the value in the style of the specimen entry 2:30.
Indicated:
2:04
